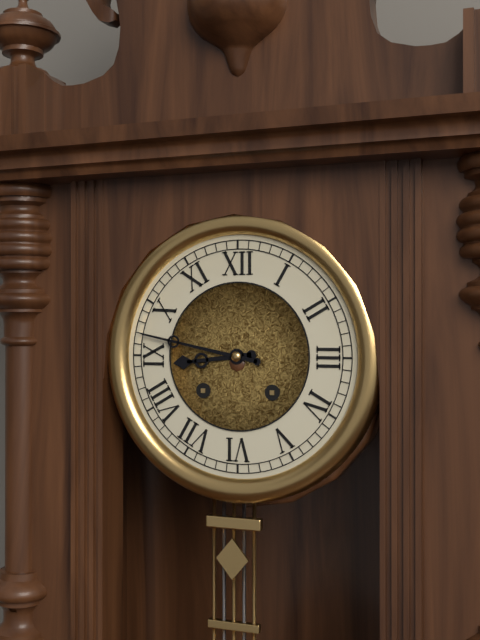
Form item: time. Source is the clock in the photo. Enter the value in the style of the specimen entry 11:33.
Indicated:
8:47
